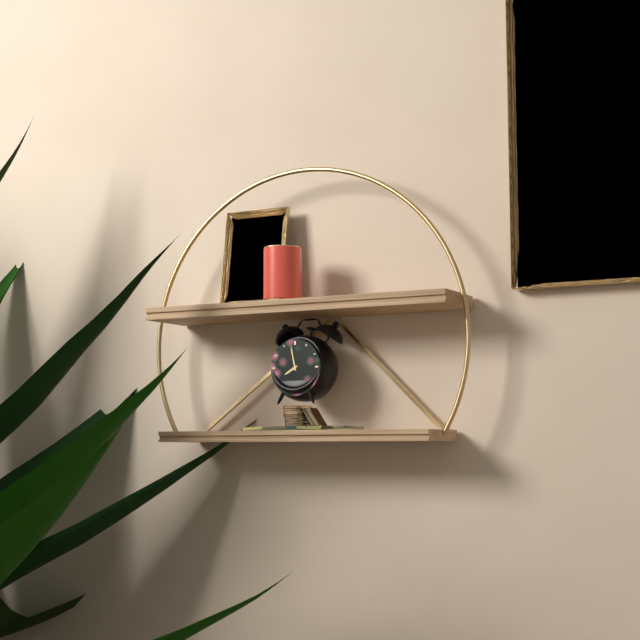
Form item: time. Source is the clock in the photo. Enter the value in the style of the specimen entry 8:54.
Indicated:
7:58
